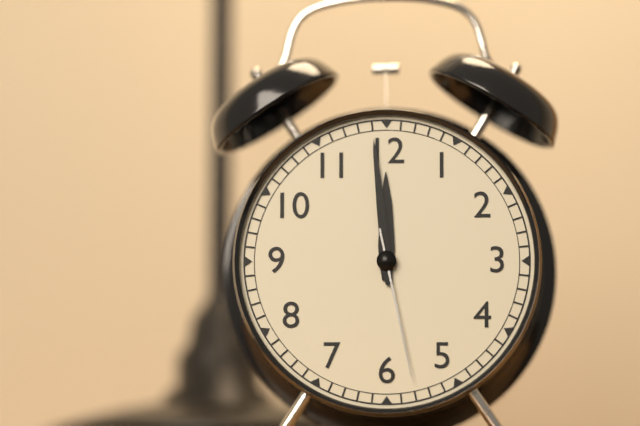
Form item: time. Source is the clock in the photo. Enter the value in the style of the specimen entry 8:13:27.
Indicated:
11:59:28
